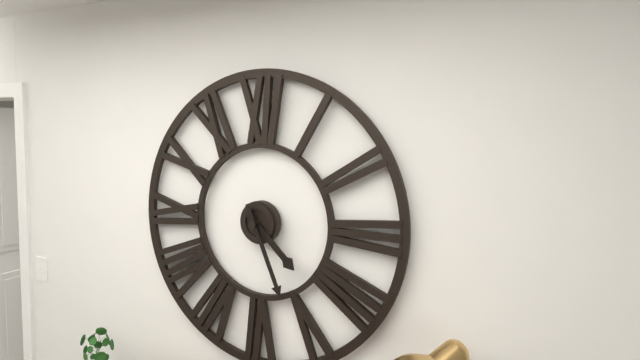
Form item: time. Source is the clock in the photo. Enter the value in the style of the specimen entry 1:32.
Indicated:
4:26
